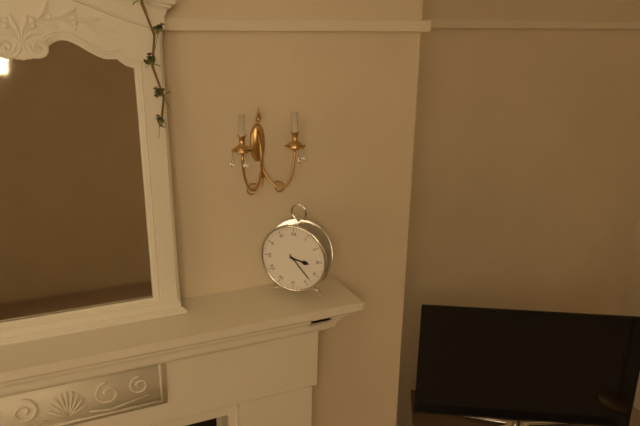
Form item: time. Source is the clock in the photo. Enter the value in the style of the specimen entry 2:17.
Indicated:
3:23
